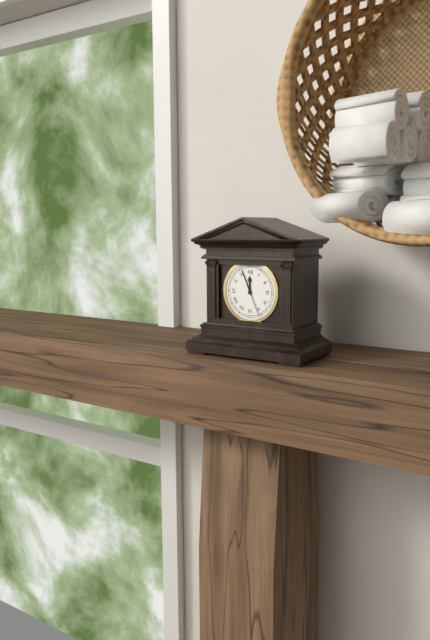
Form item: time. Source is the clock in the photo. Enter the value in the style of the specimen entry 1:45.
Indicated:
11:56
